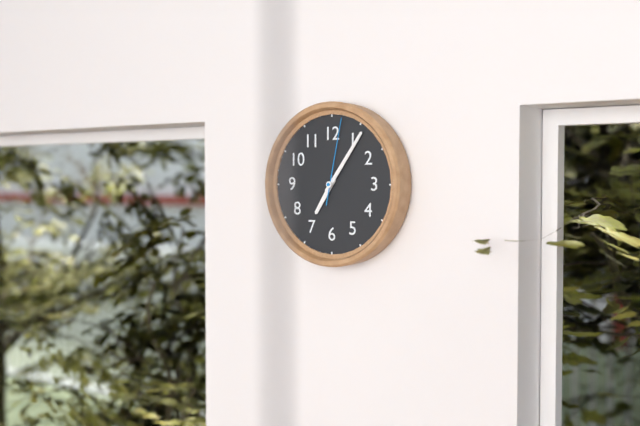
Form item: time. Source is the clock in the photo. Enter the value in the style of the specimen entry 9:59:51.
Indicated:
7:06:02
